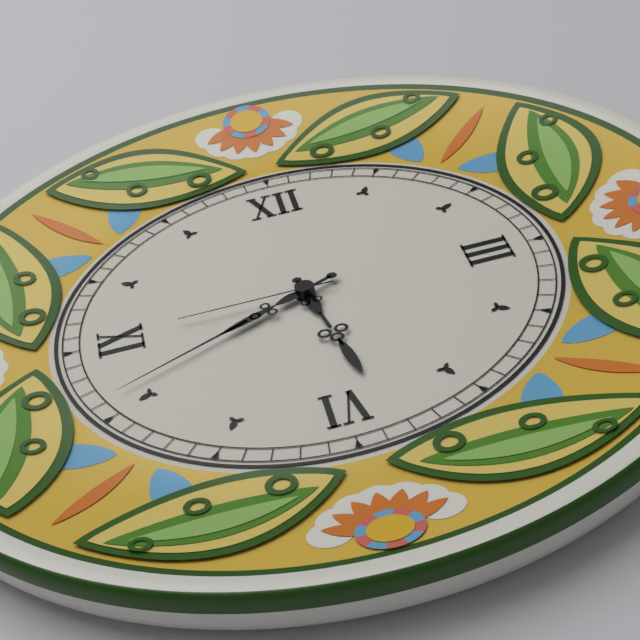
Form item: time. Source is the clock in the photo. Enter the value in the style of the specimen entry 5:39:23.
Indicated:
5:41:45
